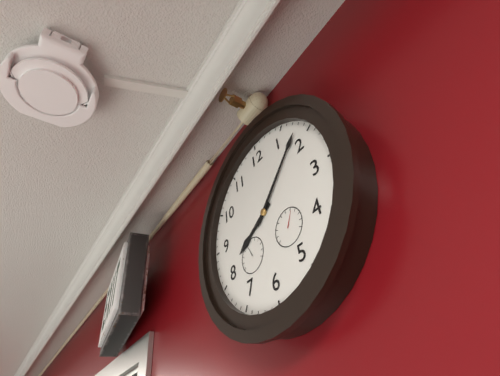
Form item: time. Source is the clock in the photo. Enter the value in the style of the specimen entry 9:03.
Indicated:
8:08
